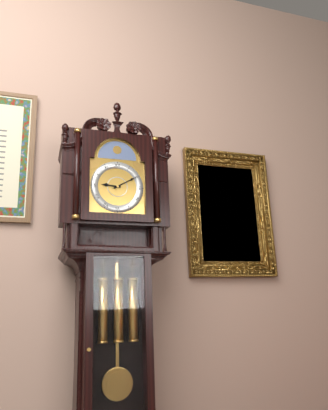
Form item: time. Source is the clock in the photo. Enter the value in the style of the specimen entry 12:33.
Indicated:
9:10
